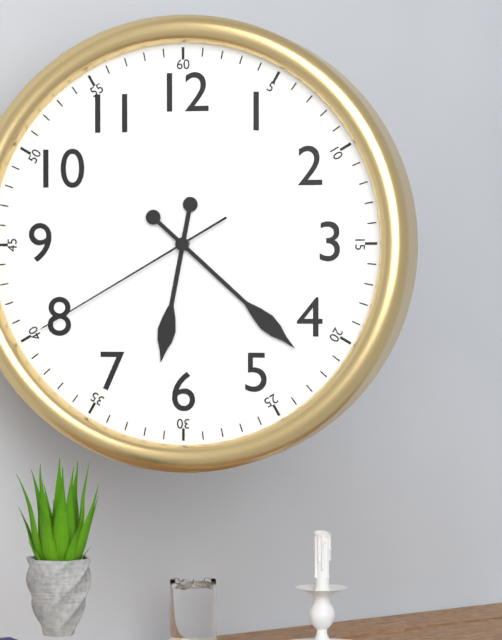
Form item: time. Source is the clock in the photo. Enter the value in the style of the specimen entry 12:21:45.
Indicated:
6:22:40
